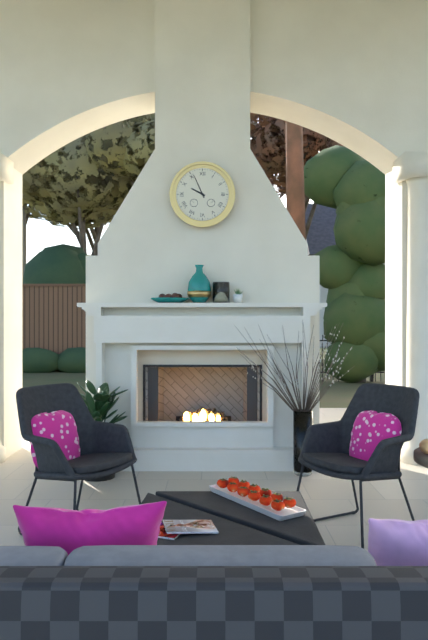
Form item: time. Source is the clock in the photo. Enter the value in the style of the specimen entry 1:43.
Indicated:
9:56
